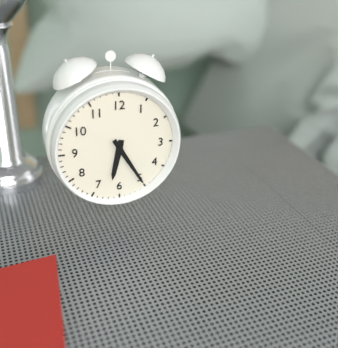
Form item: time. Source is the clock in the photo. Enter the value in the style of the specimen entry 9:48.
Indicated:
6:25
